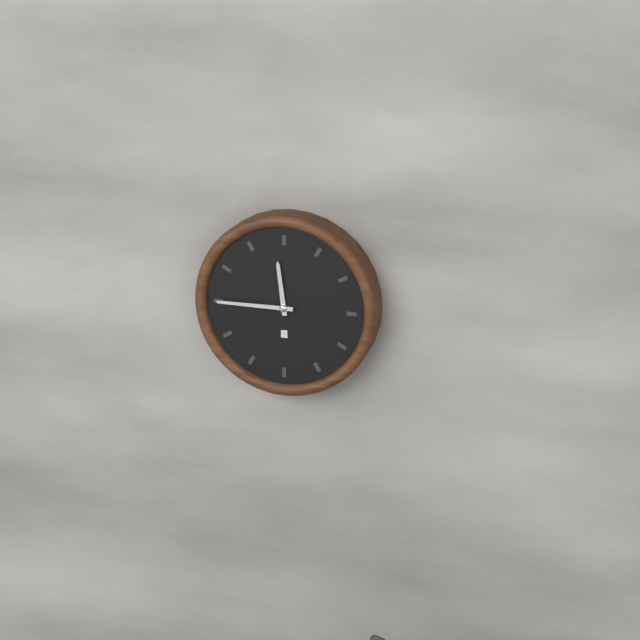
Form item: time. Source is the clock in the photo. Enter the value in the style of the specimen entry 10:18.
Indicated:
11:45
